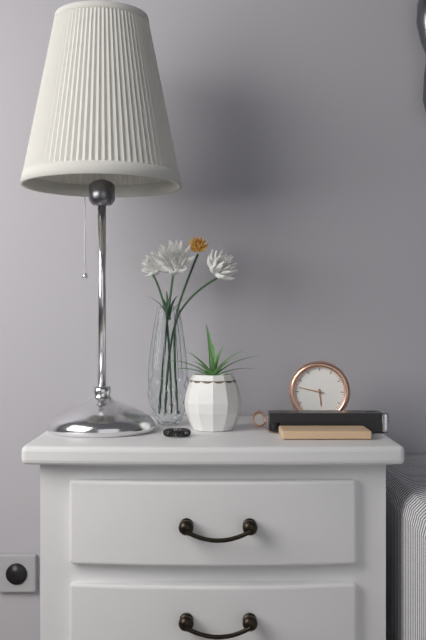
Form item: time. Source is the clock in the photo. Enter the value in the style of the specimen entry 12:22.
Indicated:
5:47
